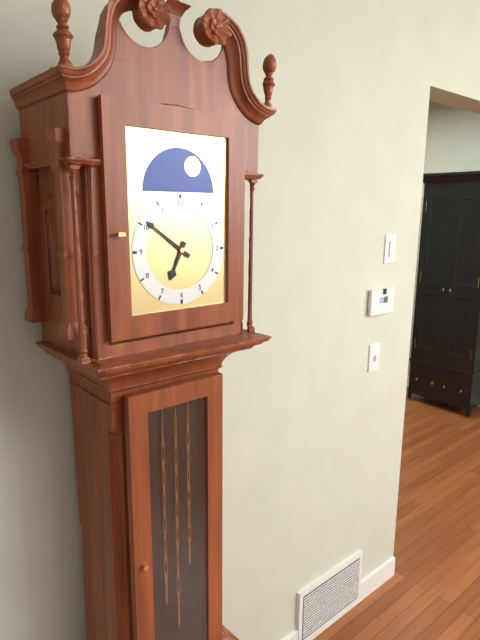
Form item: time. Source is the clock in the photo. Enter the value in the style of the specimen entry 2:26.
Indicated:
6:51
